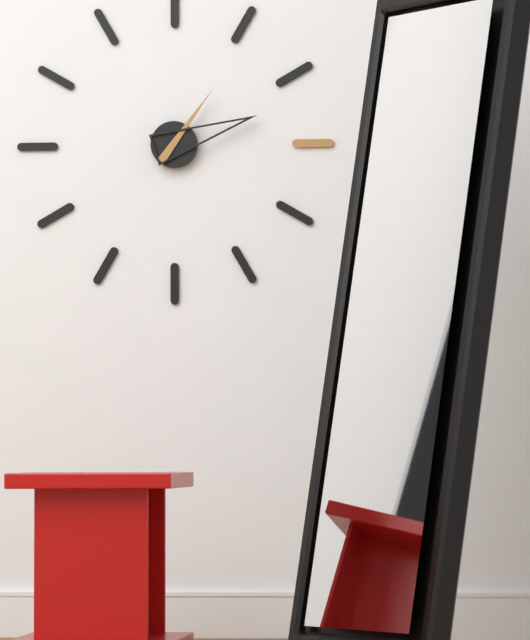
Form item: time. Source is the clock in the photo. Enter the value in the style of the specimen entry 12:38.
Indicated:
1:12
